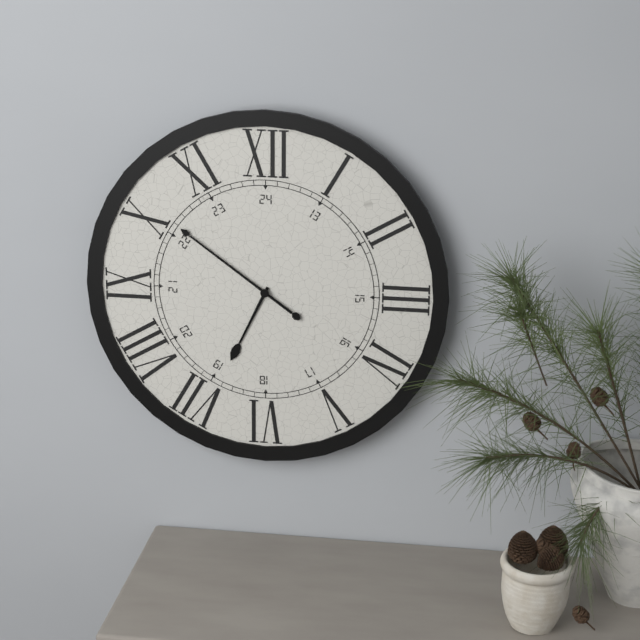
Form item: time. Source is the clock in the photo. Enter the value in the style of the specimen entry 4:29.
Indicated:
6:51
